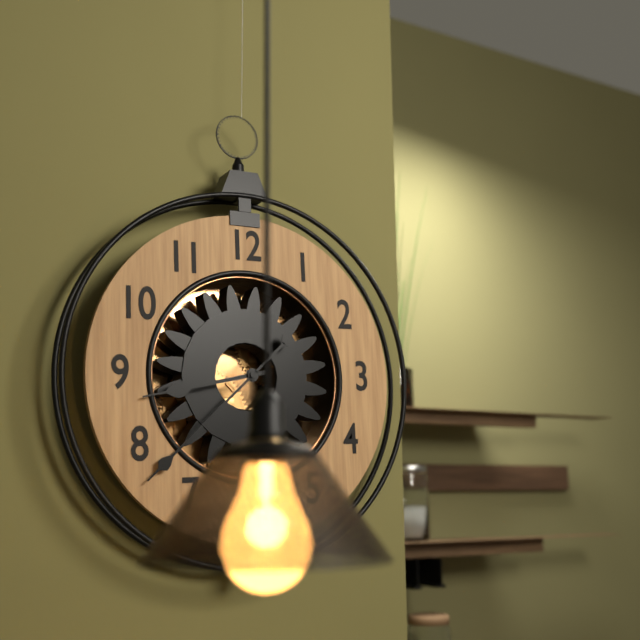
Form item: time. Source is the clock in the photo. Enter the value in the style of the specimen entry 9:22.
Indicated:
8:38
